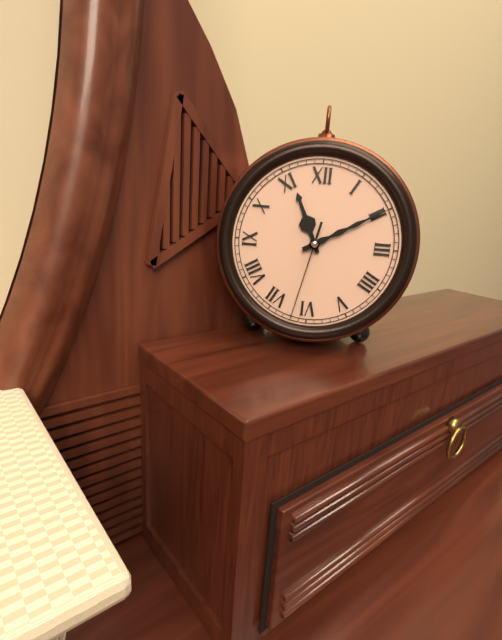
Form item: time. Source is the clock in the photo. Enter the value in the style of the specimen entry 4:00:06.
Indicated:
11:10:32
